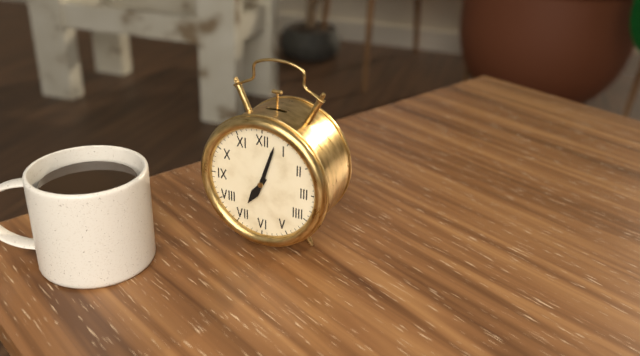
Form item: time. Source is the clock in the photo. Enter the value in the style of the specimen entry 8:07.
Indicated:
7:03
